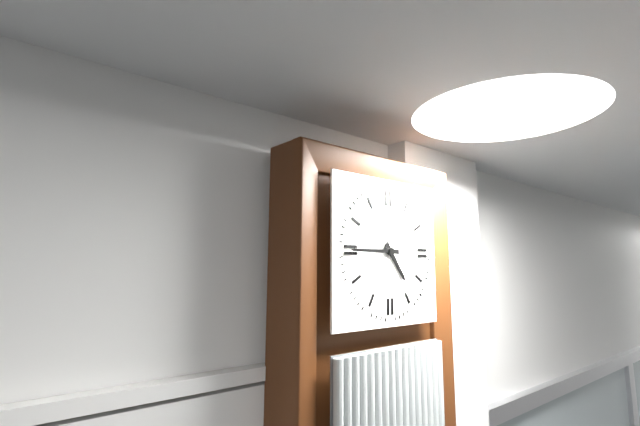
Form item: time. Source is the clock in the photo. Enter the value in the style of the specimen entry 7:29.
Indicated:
4:45
